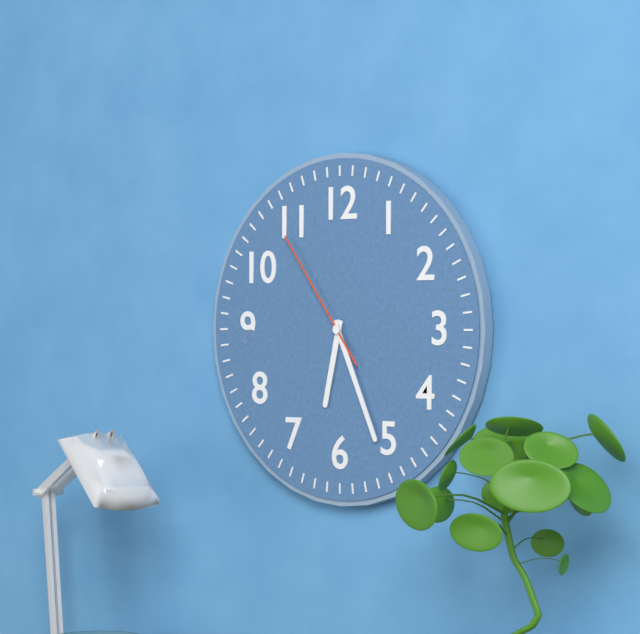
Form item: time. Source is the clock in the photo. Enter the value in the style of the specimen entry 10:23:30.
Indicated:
6:26:54
